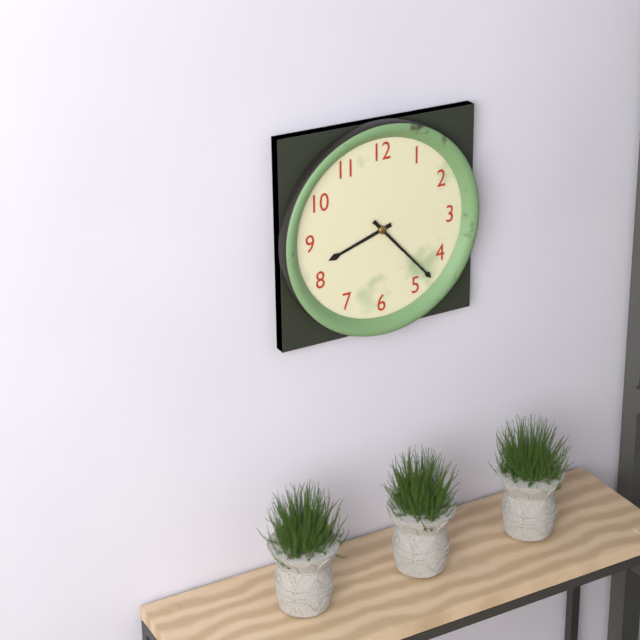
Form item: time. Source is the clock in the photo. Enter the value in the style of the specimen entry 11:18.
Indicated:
8:23
